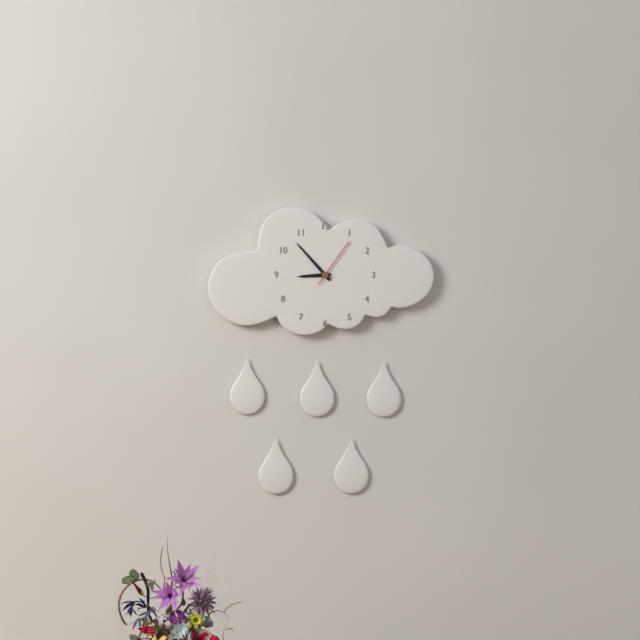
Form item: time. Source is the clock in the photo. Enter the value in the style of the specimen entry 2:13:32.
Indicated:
8:53:06
